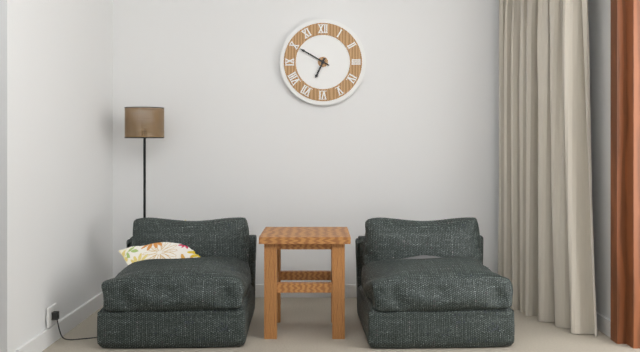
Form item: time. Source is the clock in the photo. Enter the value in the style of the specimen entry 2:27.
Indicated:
6:50
